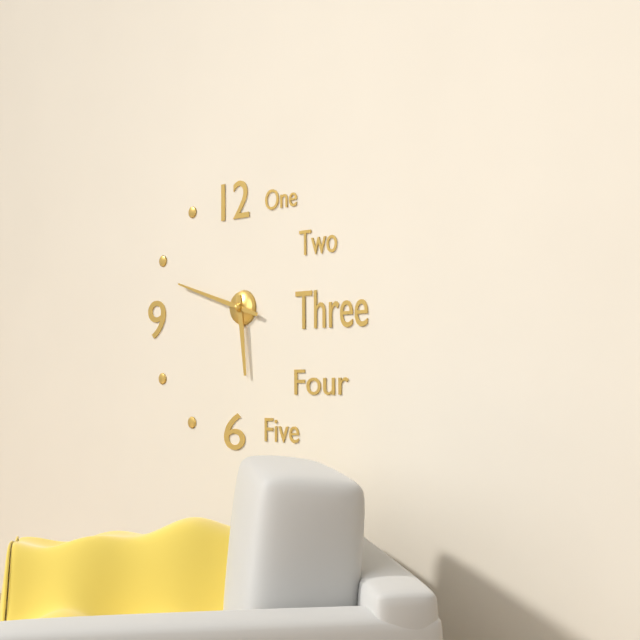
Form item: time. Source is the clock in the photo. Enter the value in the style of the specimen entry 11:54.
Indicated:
5:48
